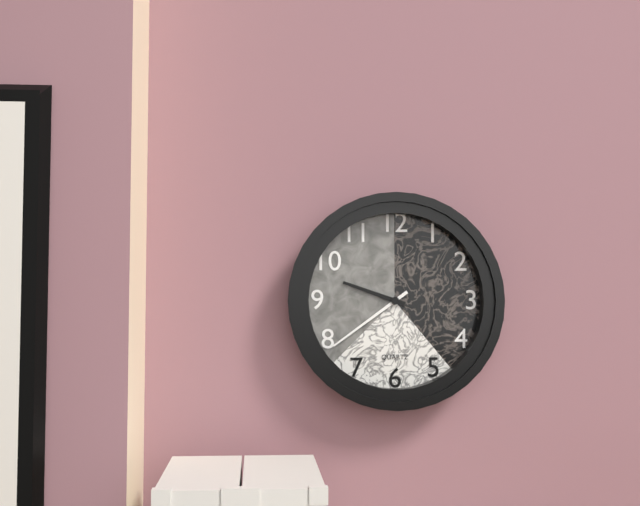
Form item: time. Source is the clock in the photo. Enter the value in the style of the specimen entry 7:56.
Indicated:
9:39
